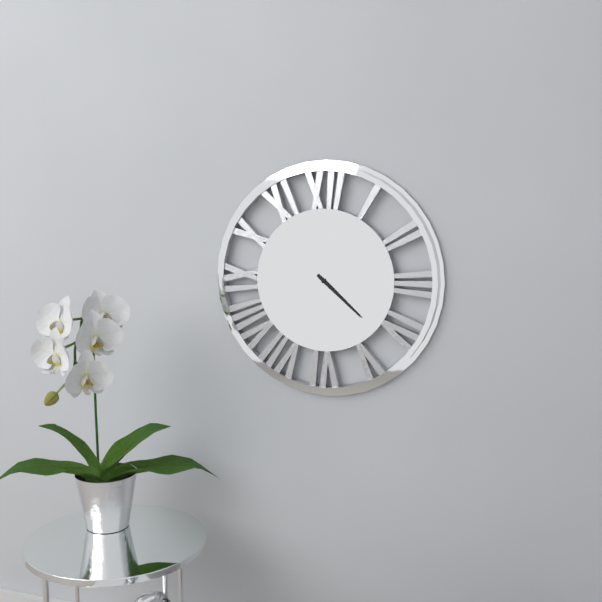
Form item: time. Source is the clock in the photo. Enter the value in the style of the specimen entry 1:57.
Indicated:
4:22
